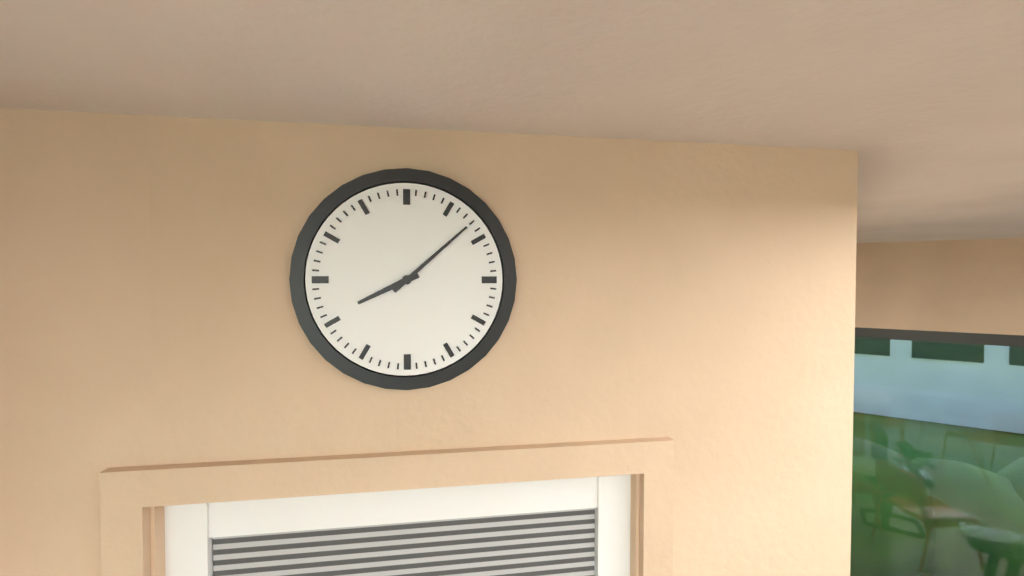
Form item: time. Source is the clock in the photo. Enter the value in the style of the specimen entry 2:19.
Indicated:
8:08
